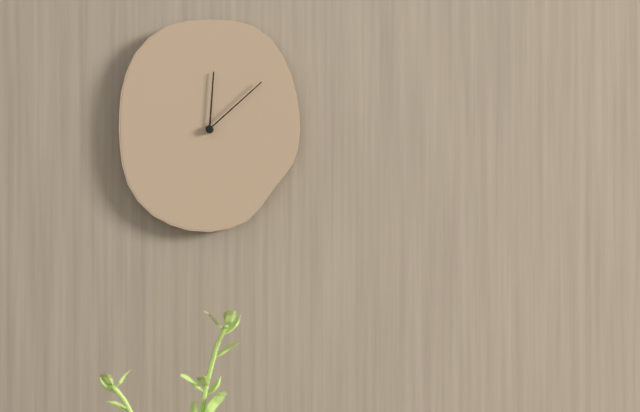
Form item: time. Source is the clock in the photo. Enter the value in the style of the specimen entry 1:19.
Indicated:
12:08
